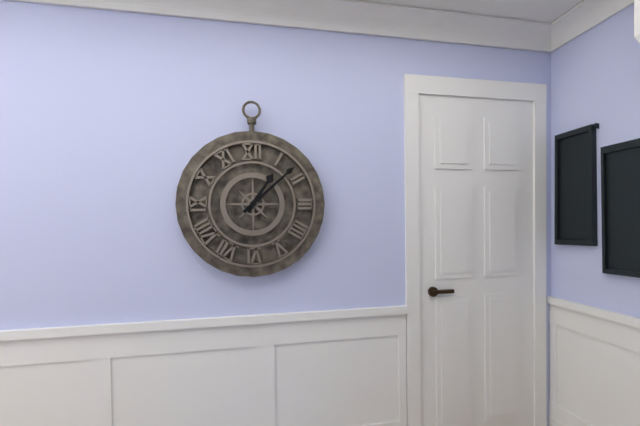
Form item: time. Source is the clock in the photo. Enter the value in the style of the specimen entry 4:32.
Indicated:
1:08
